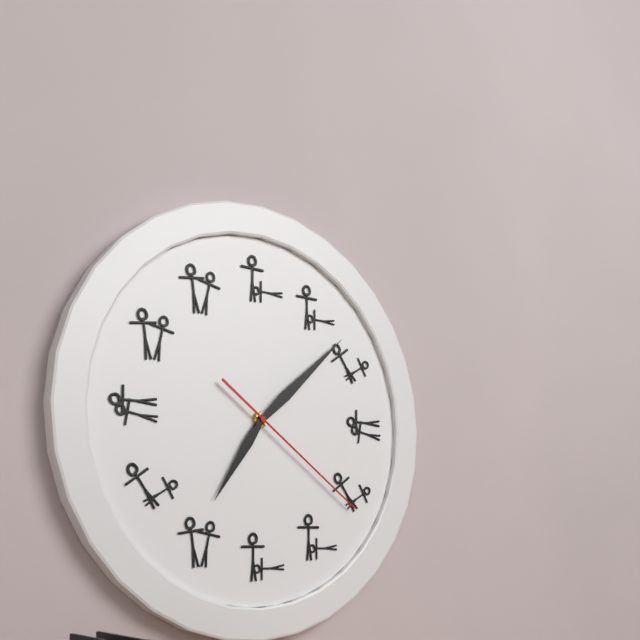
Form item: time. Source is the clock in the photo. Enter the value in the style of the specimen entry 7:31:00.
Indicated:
7:08:21
